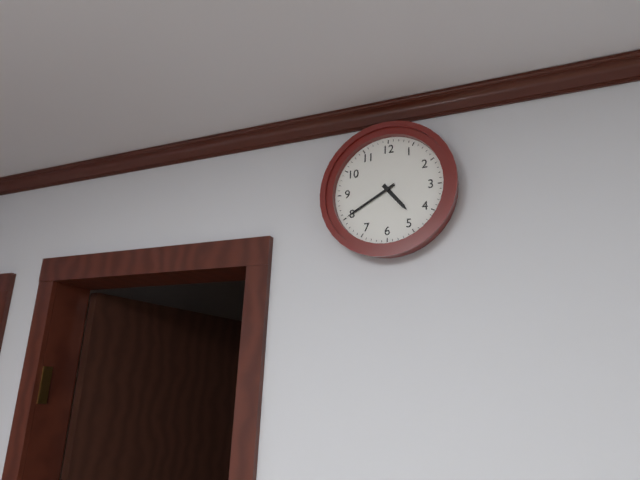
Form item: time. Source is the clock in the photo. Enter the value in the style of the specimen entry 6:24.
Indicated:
4:40
